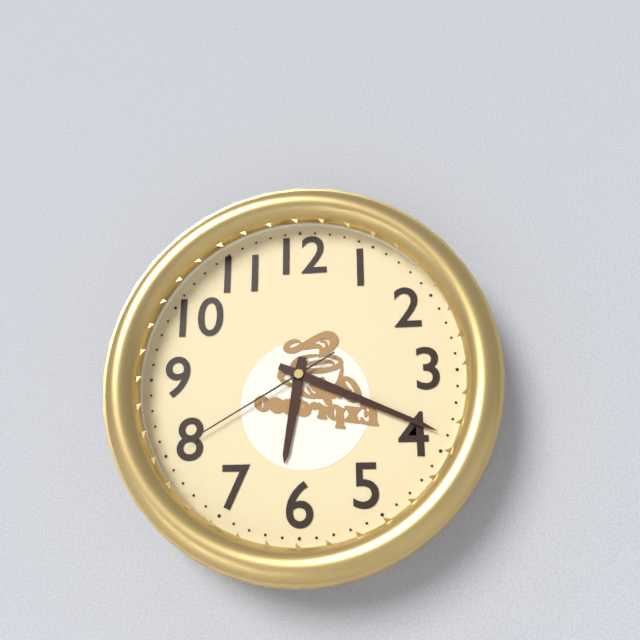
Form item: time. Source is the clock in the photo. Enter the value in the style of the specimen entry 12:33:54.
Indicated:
6:19:40
